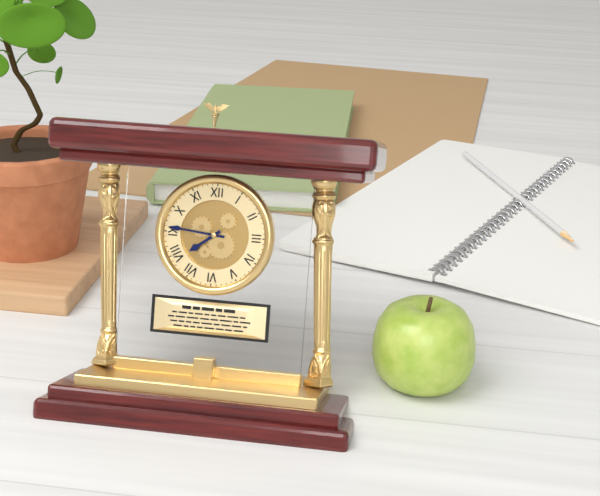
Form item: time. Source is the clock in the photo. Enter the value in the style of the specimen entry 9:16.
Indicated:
7:46
